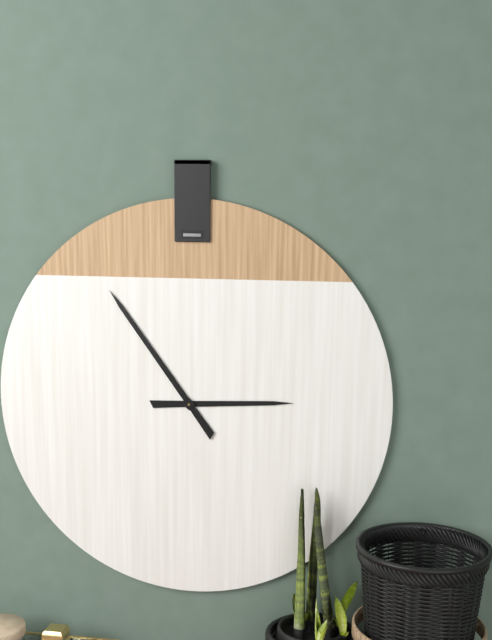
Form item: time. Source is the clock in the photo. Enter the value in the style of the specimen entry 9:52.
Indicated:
2:54
